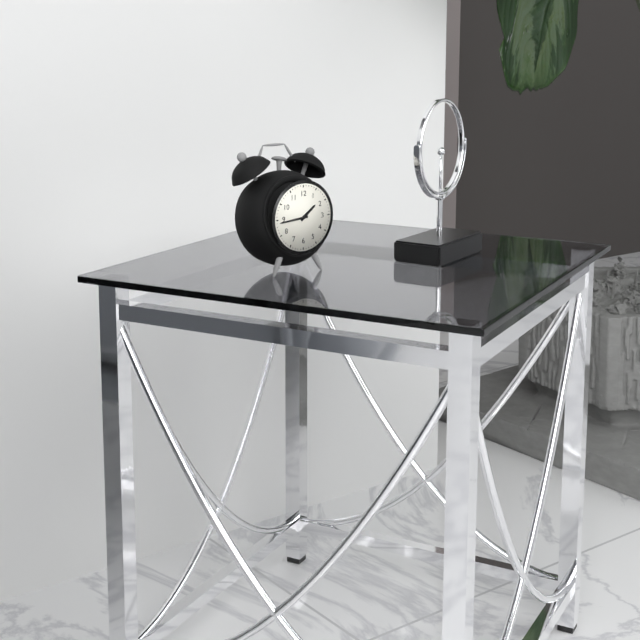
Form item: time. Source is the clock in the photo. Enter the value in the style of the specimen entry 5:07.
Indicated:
1:44
